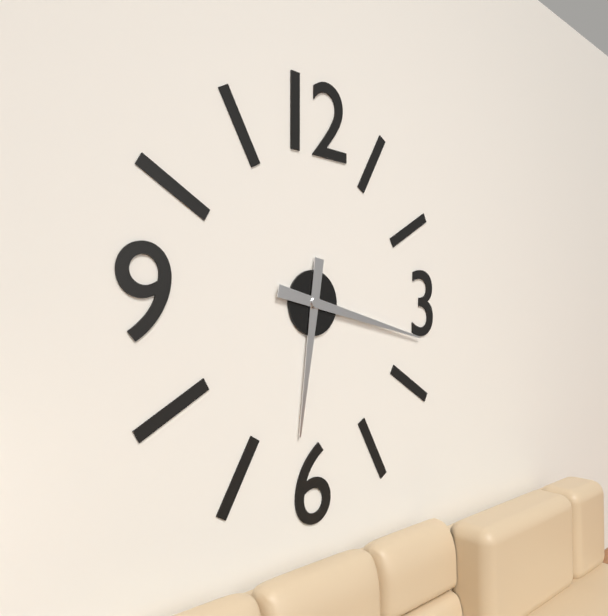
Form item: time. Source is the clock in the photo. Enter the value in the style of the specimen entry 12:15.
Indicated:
6:17
